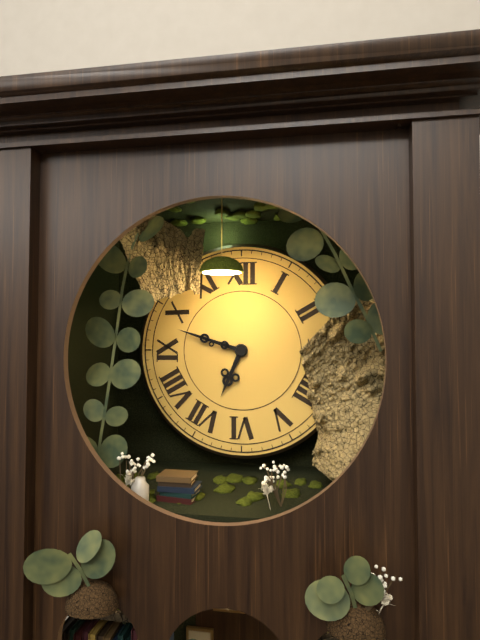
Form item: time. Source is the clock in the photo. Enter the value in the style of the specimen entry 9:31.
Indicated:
6:48
